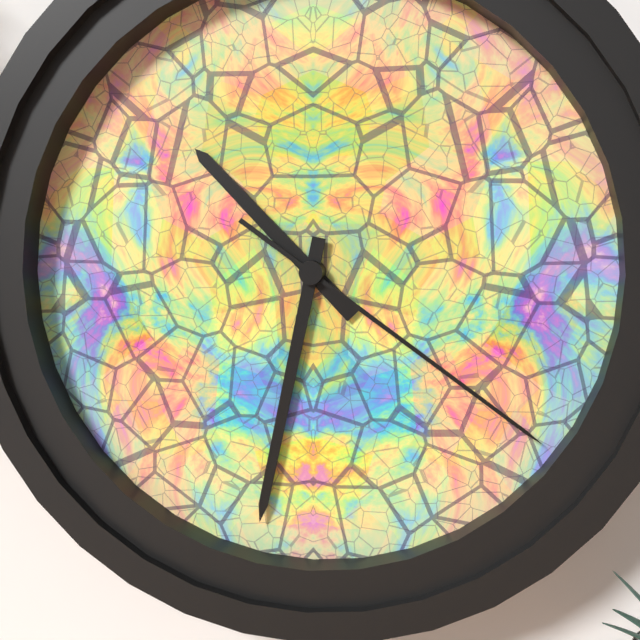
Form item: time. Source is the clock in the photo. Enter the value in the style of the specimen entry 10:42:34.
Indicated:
10:32:21
